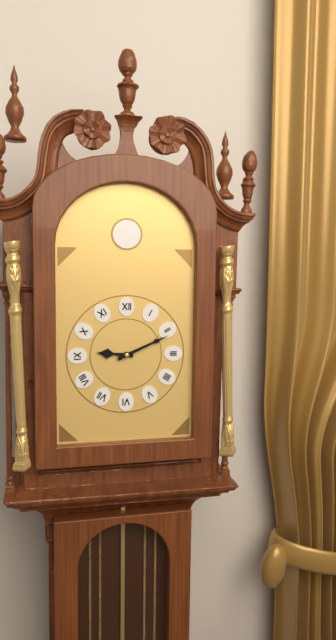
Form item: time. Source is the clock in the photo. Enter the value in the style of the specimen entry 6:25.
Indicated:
9:11
